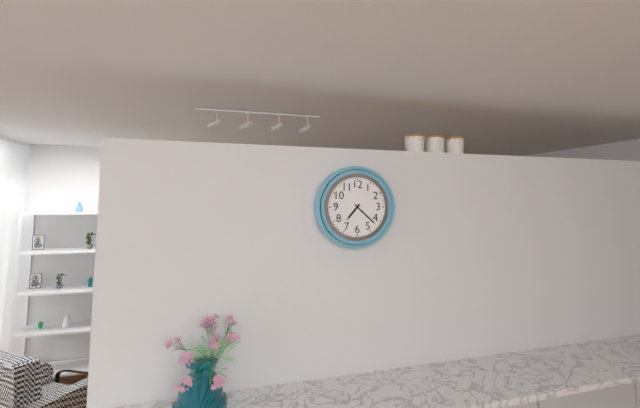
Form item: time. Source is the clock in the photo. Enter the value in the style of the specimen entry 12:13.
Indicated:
7:22
